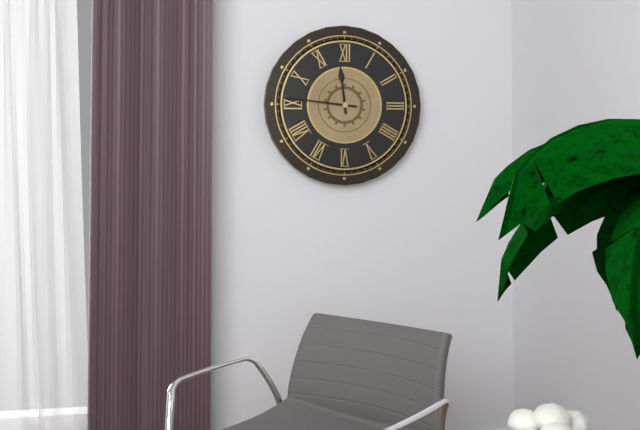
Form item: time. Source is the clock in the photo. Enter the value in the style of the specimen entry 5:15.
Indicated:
11:46
